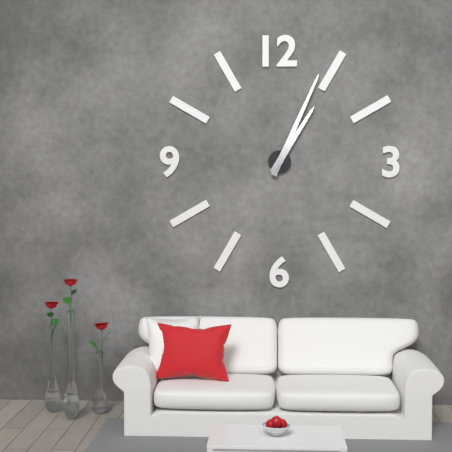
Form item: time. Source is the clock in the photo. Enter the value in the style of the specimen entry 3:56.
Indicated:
1:04
